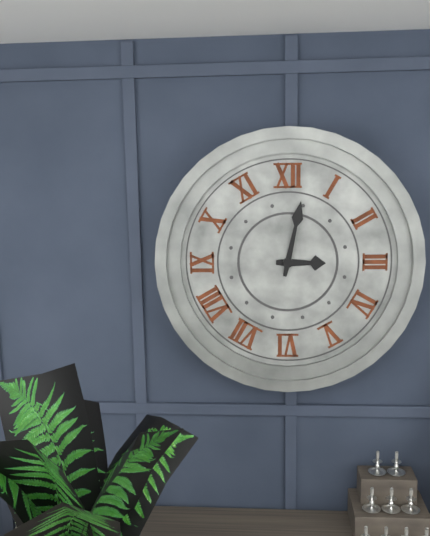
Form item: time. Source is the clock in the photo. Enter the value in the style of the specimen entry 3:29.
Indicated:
3:02
